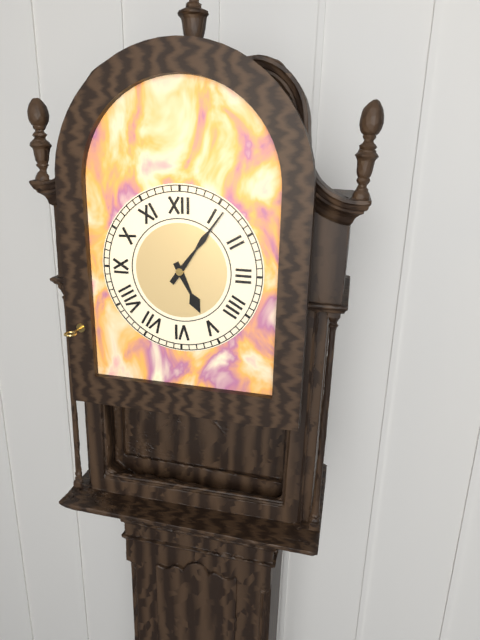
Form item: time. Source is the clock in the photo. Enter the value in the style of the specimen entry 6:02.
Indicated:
5:06
